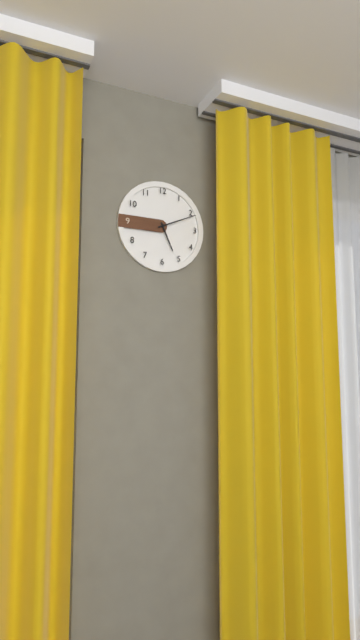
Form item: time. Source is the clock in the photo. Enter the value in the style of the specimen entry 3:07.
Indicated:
5:11
